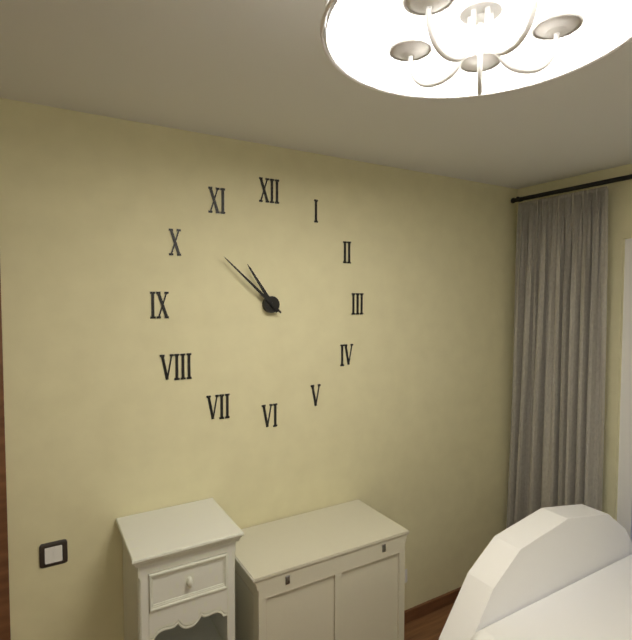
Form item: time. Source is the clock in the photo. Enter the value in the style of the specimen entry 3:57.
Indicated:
10:52
